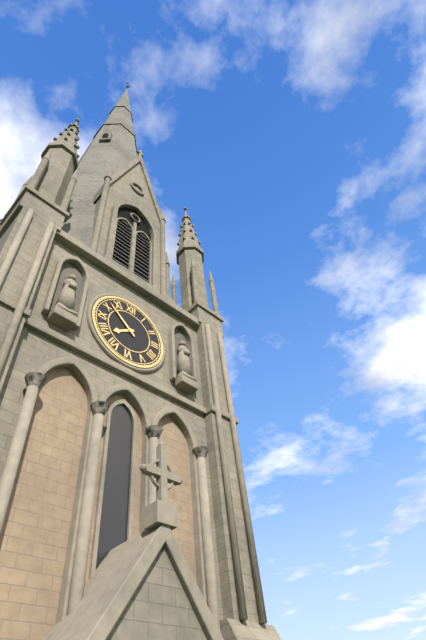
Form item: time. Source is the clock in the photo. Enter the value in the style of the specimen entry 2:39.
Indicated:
7:52
